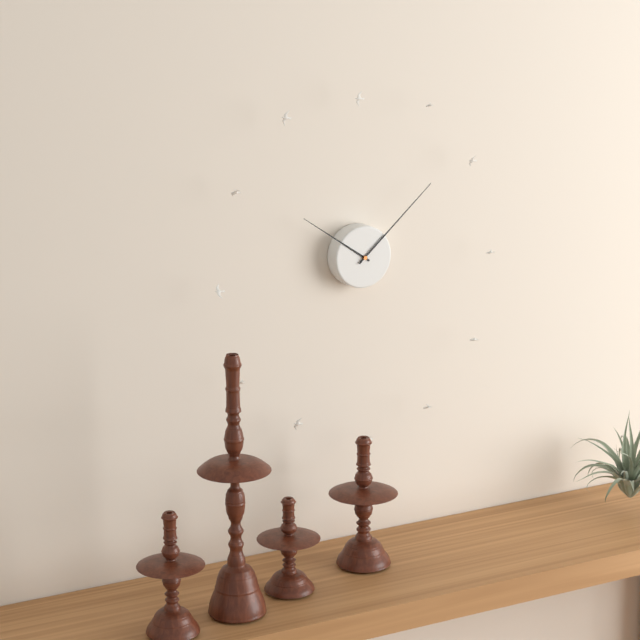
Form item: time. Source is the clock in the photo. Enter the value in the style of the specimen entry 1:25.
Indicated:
10:08
